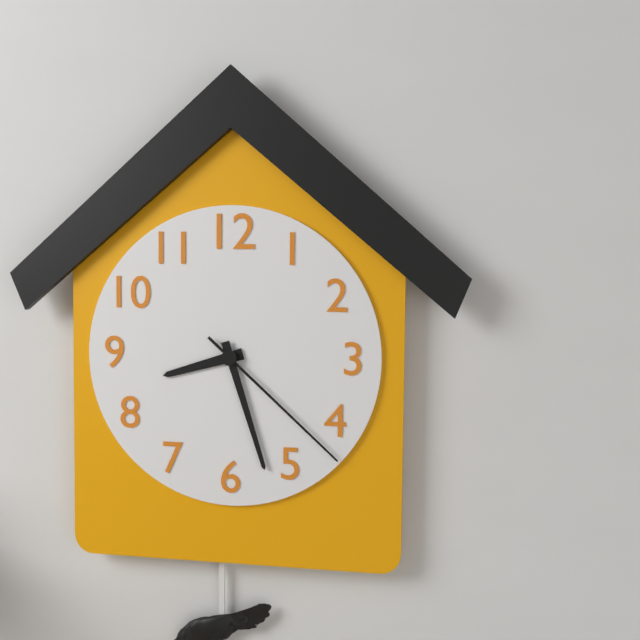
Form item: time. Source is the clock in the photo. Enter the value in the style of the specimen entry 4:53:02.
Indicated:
8:27:22
